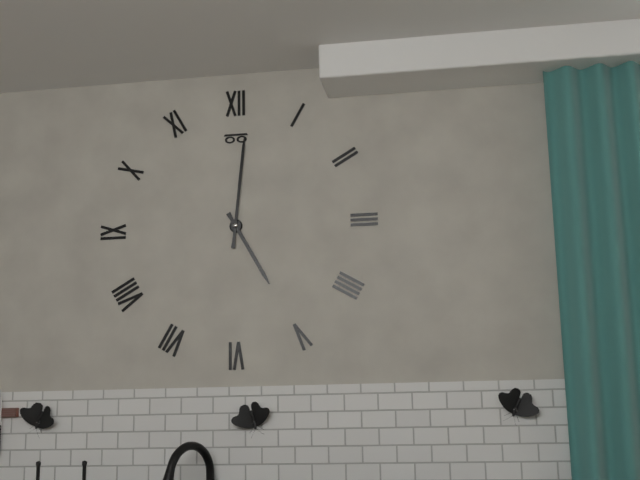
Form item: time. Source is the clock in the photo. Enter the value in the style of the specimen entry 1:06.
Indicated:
5:01
